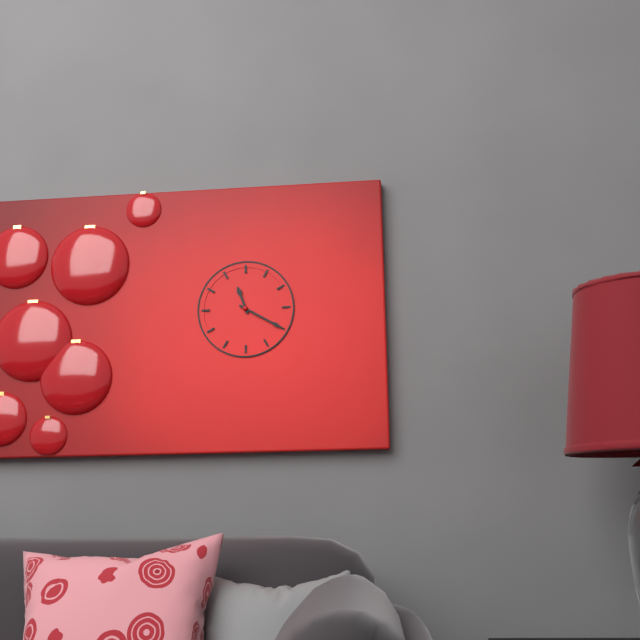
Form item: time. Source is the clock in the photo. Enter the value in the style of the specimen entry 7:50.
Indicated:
11:20
